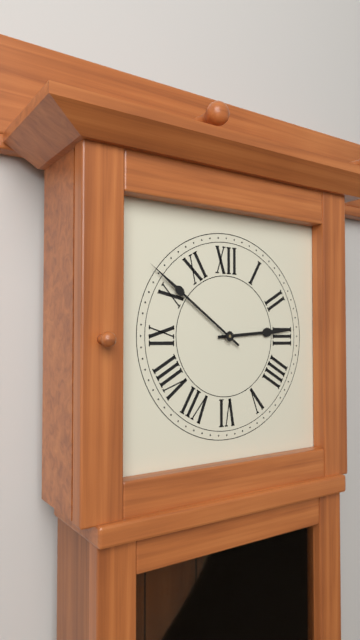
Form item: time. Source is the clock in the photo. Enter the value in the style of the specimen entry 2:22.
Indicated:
2:51
